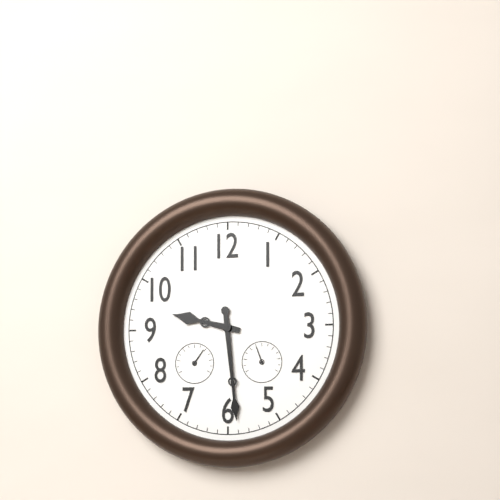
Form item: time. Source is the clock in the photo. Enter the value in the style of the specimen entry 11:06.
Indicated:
9:29
